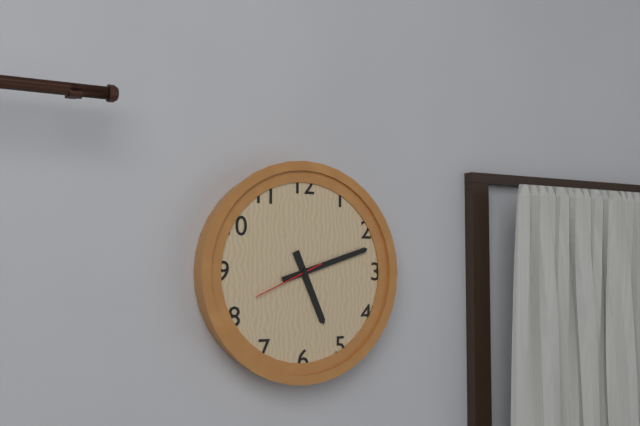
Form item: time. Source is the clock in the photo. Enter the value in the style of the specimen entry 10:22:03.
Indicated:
5:12:41
